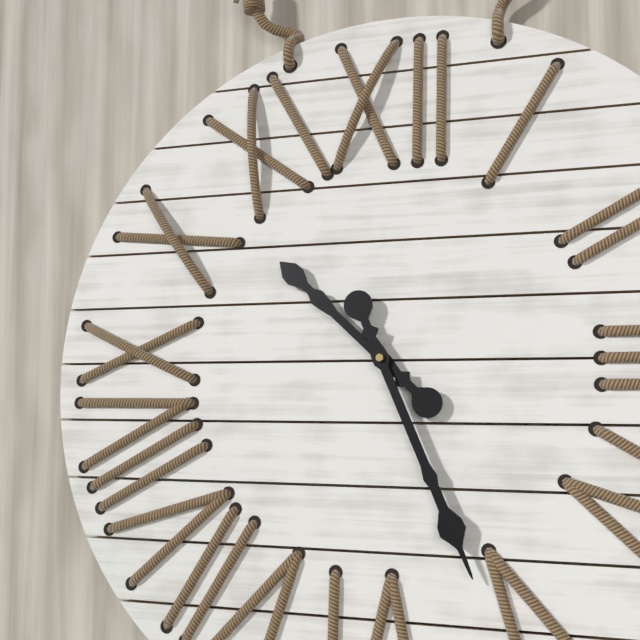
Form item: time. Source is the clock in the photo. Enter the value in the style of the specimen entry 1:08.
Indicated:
10:26
